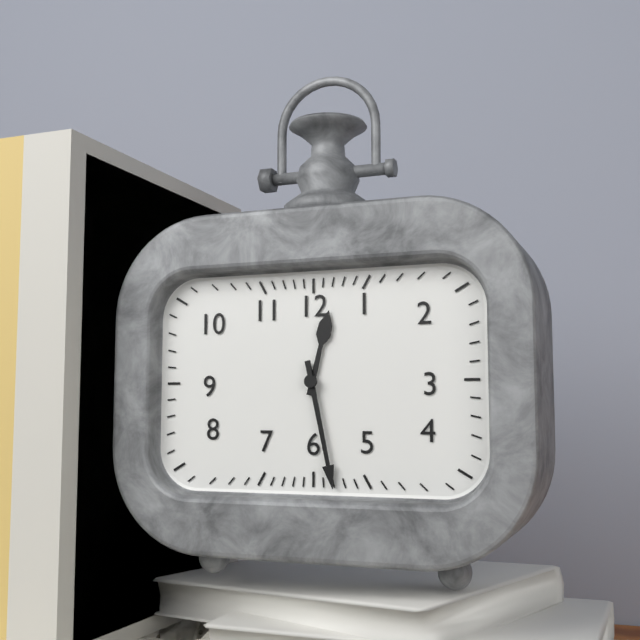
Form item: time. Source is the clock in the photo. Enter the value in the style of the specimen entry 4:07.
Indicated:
12:28
